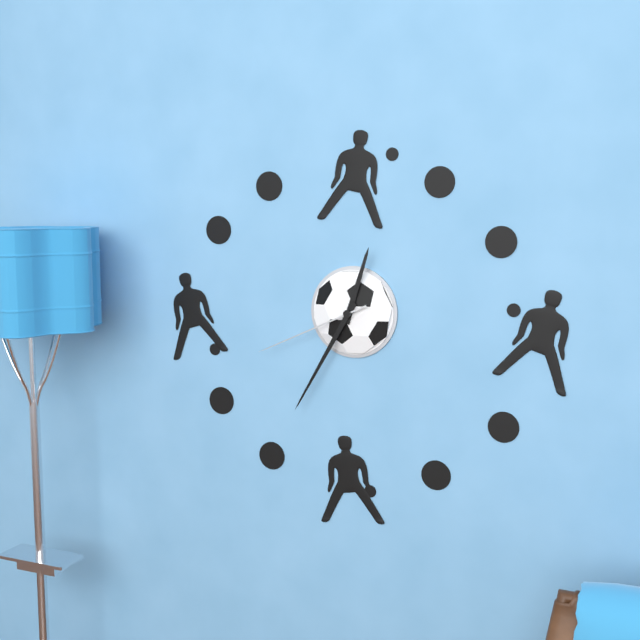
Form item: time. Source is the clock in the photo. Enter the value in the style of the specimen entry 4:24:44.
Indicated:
12:35:41
